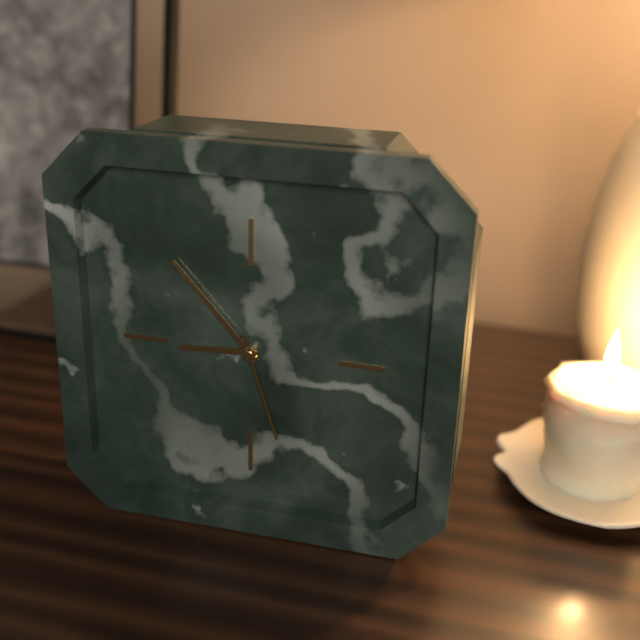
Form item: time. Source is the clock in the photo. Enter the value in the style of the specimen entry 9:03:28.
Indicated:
8:53:27
